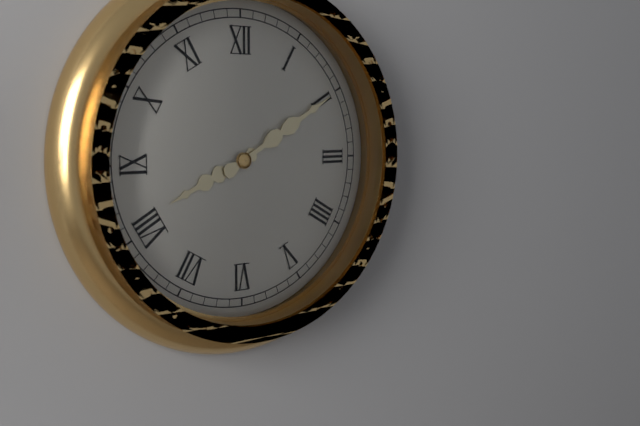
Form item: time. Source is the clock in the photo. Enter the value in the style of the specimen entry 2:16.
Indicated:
8:10
